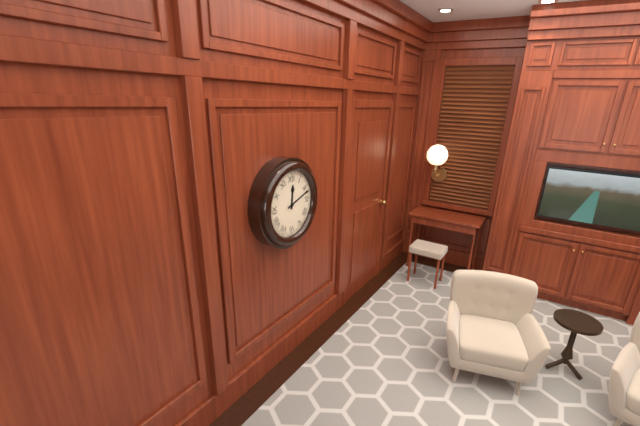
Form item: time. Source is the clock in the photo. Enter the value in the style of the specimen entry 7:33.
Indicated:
12:12
